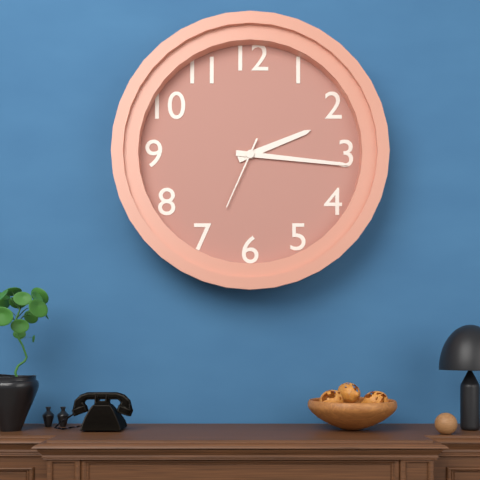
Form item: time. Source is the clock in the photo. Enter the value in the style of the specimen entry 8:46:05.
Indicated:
2:16:34
